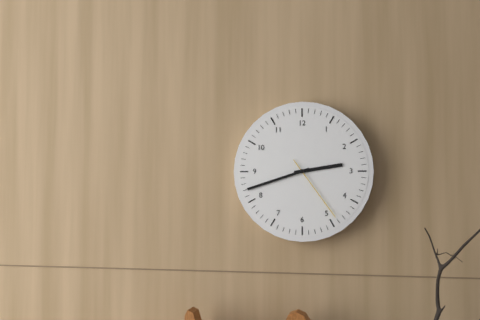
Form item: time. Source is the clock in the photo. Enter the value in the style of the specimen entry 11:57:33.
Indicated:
2:42:24
